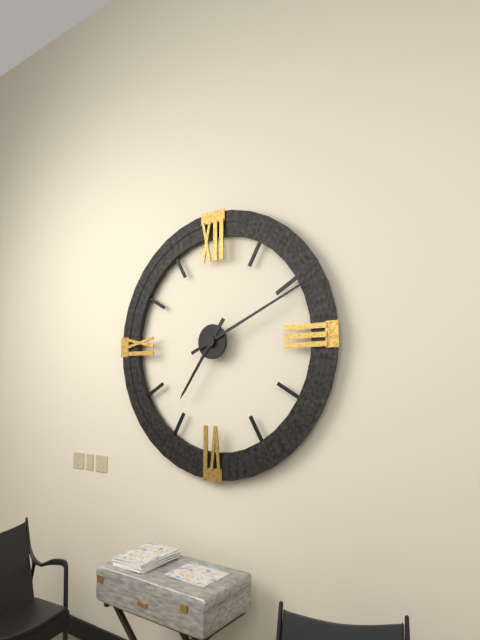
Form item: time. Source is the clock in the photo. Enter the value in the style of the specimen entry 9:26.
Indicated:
7:11
